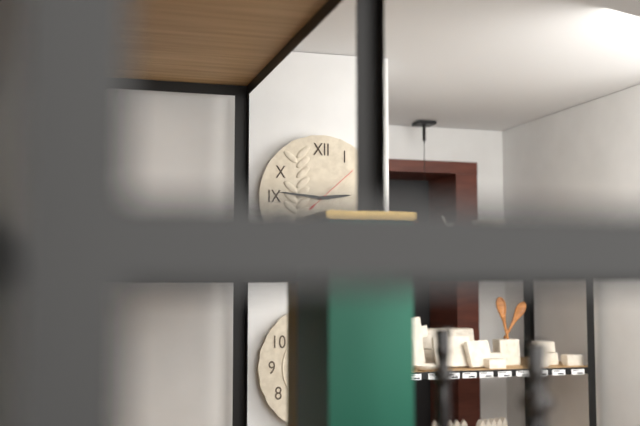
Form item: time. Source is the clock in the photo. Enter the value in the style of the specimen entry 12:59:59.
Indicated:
2:46:08
